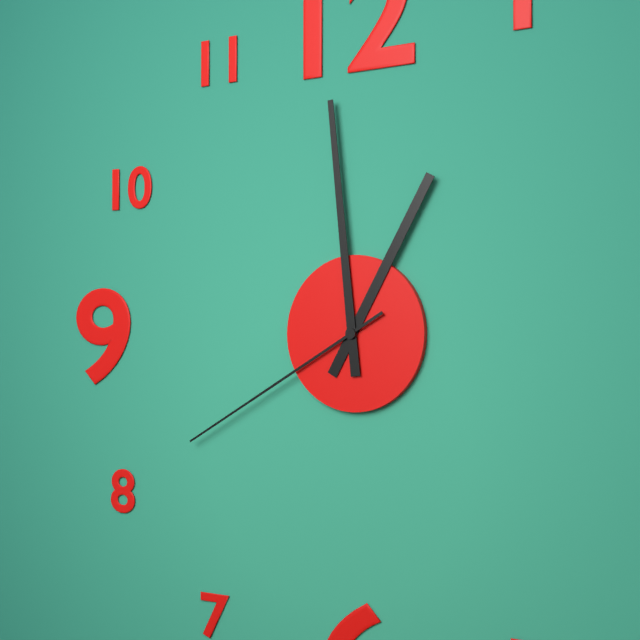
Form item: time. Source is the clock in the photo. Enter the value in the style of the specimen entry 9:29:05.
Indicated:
12:59:40
